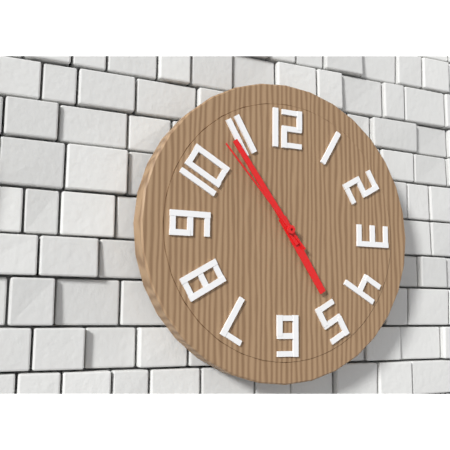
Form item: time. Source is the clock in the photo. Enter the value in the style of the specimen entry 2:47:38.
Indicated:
4:54:53
